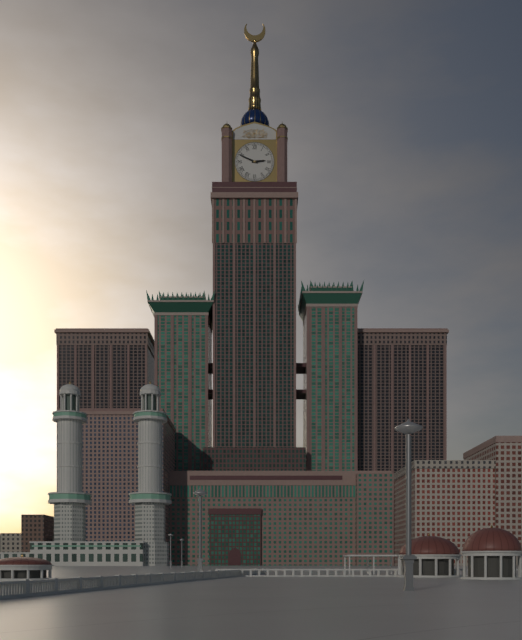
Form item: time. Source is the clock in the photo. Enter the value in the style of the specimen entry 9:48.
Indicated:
2:49
